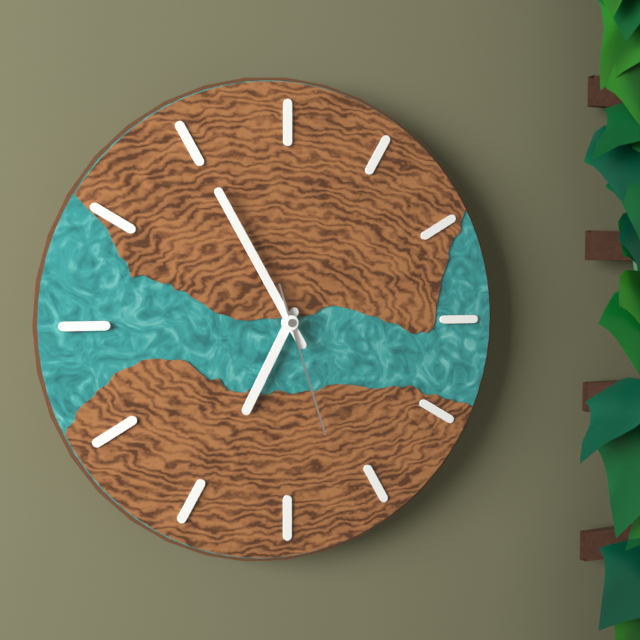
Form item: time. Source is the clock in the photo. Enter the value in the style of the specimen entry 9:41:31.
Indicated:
6:55:27
